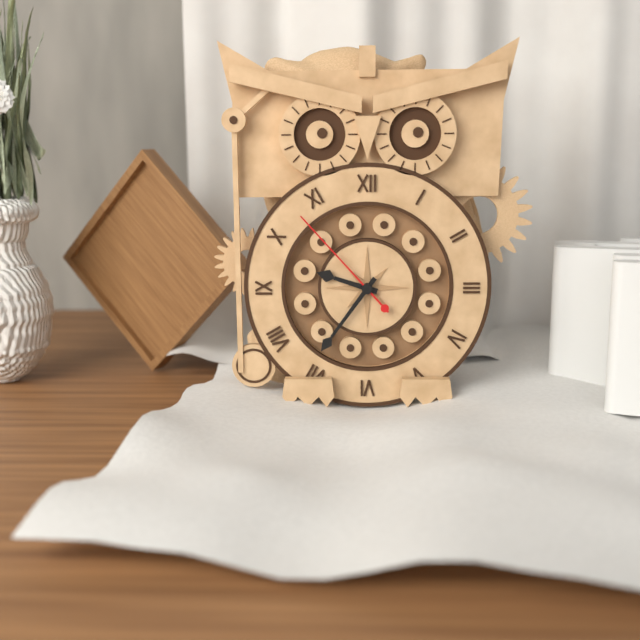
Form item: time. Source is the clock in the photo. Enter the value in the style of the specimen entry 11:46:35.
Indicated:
9:36:53
